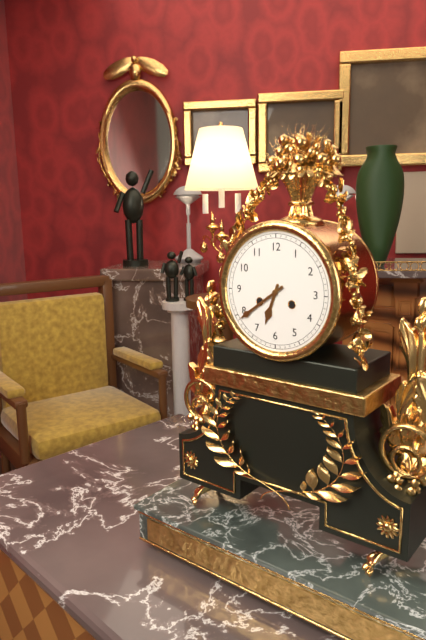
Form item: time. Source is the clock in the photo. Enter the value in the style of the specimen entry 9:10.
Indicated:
6:39
